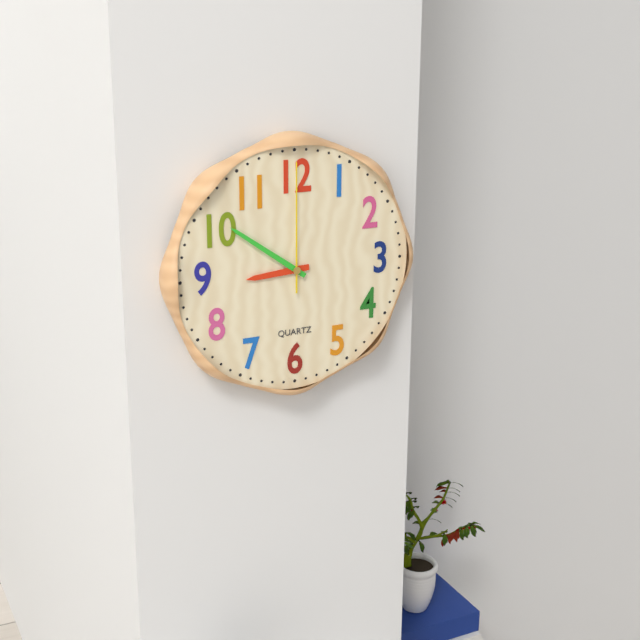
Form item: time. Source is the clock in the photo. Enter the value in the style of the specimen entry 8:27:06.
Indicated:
8:51:00
